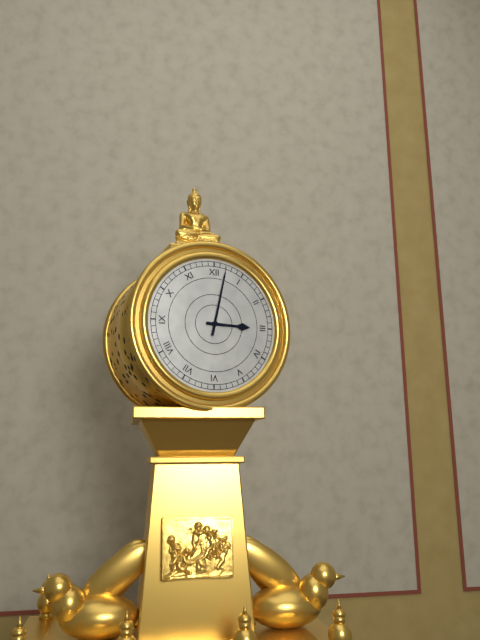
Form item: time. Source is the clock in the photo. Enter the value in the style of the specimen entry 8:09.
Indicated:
3:02
